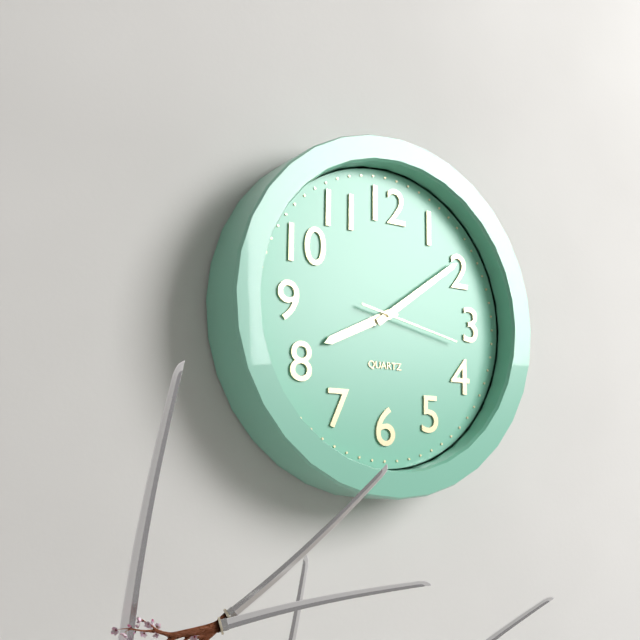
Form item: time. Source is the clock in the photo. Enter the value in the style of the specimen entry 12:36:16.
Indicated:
8:09:17
